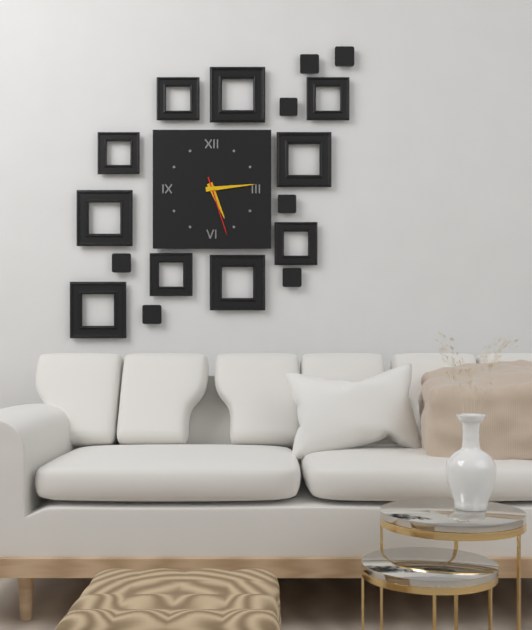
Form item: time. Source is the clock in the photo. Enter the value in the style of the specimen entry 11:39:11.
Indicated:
5:14:27
